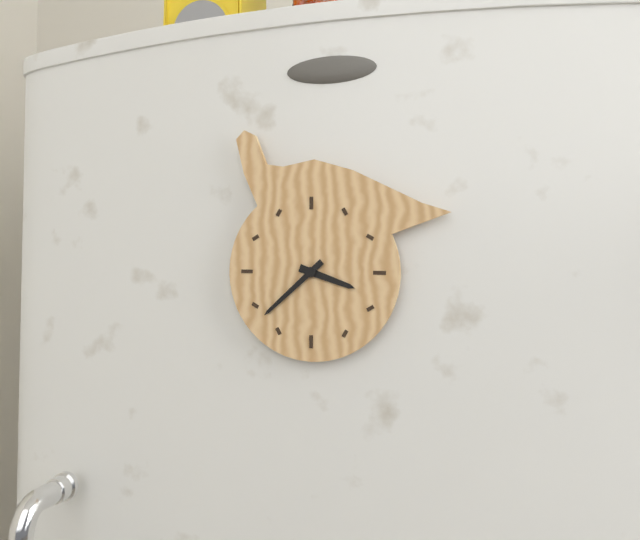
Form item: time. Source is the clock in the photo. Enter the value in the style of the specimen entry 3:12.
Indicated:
3:38
